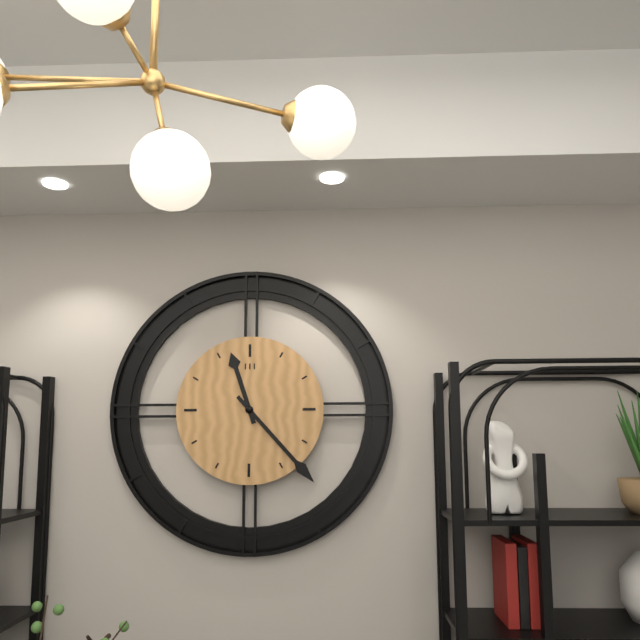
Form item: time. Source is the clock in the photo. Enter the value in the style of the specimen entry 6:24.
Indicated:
11:23
